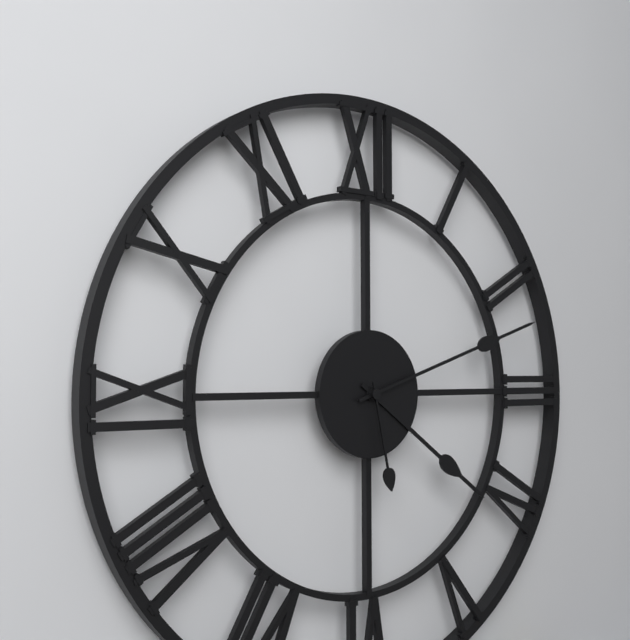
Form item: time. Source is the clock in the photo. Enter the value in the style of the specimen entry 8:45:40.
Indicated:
4:12:28
